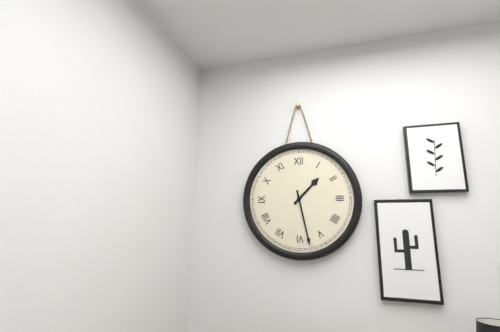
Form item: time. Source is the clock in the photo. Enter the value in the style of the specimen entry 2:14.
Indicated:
1:28
